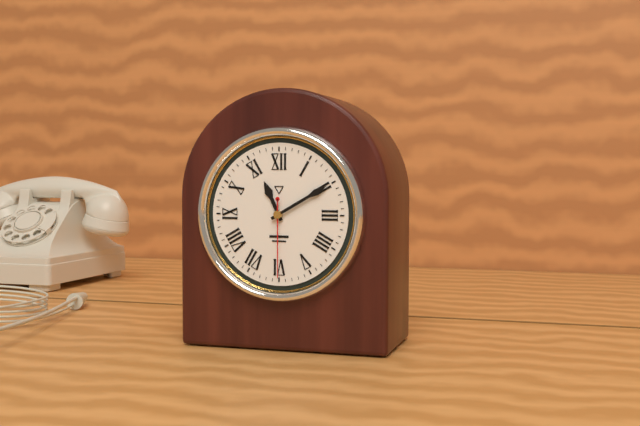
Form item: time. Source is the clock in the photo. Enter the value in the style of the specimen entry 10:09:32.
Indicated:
11:10:30
